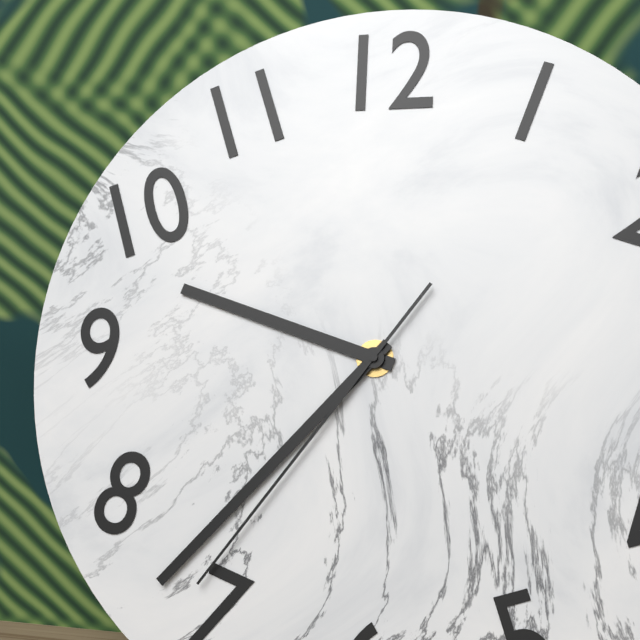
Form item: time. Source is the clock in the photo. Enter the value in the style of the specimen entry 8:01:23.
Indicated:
9:37:36
